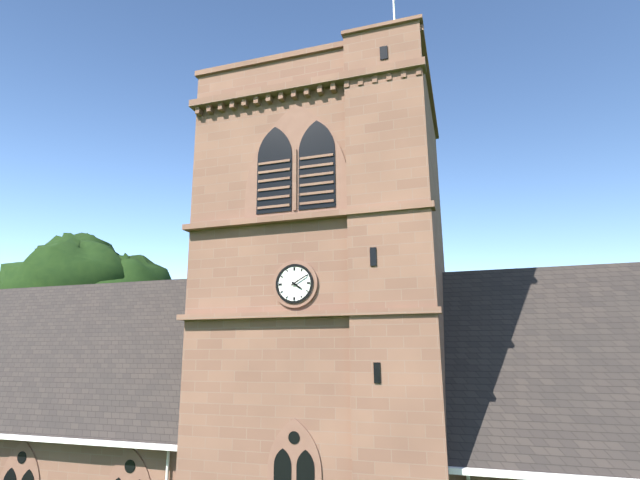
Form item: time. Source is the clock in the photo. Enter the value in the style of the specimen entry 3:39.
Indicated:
4:10
